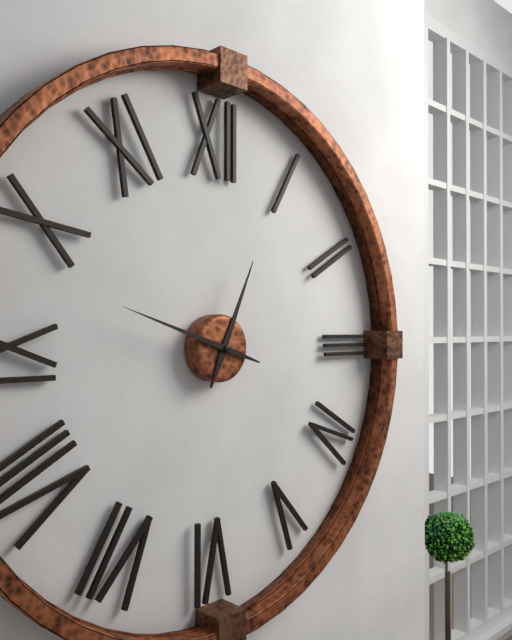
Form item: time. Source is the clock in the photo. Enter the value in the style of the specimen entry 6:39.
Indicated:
12:48
